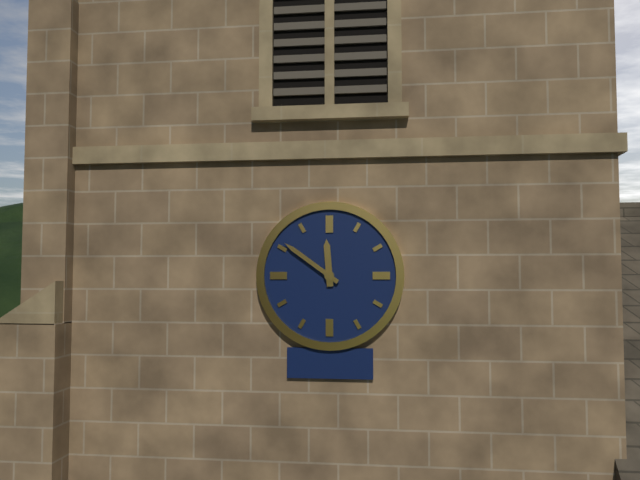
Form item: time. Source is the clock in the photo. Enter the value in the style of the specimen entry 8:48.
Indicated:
11:51
